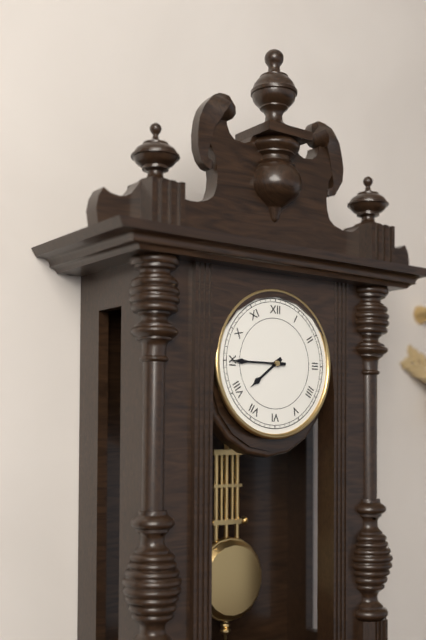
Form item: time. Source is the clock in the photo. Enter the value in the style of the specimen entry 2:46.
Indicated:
7:45
